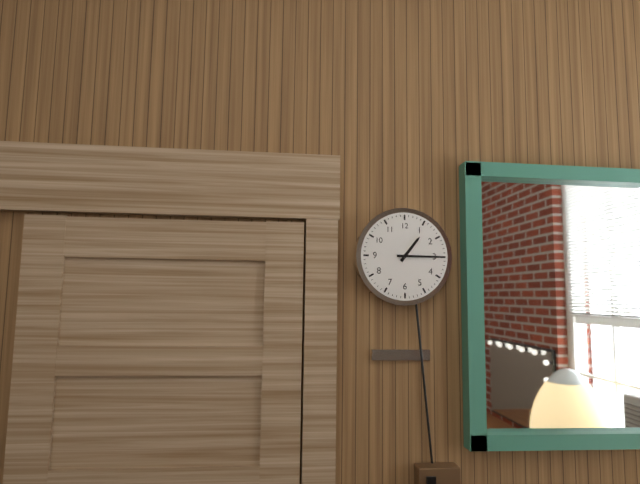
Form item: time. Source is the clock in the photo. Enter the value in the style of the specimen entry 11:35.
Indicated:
1:15
